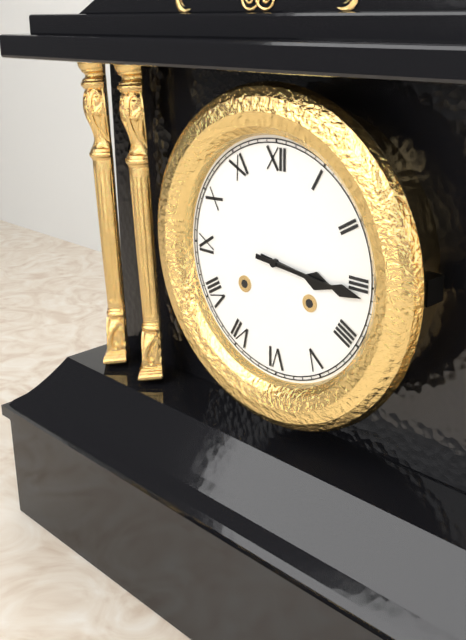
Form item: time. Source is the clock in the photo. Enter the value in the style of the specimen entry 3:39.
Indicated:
3:16
